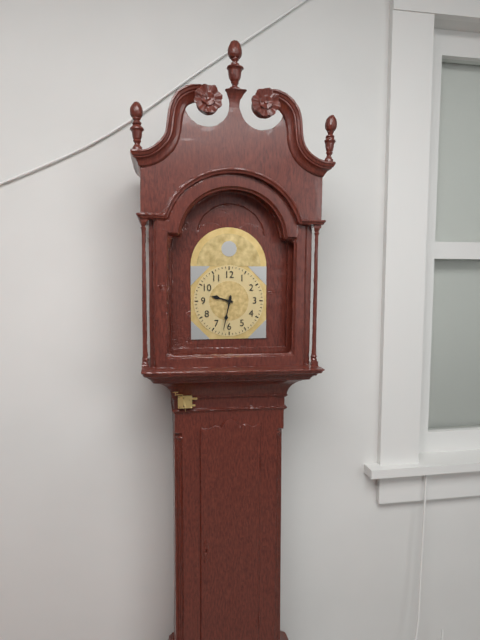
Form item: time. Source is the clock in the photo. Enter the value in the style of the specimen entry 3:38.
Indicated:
9:32
